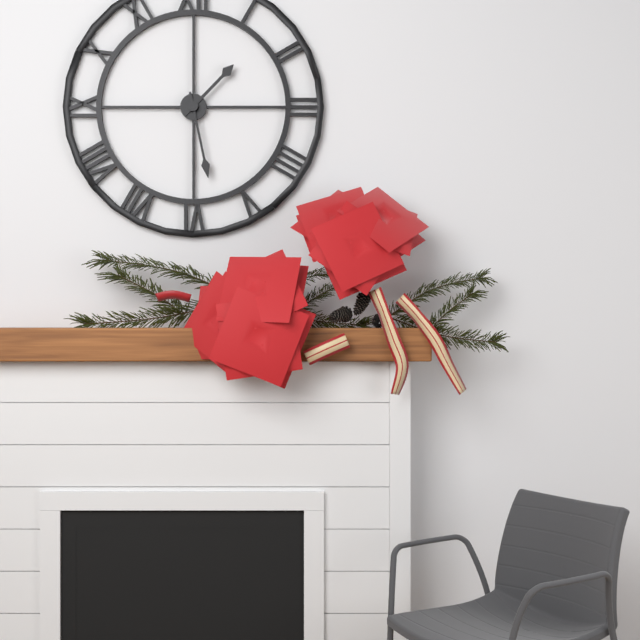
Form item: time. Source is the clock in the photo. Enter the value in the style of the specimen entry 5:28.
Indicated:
1:28
